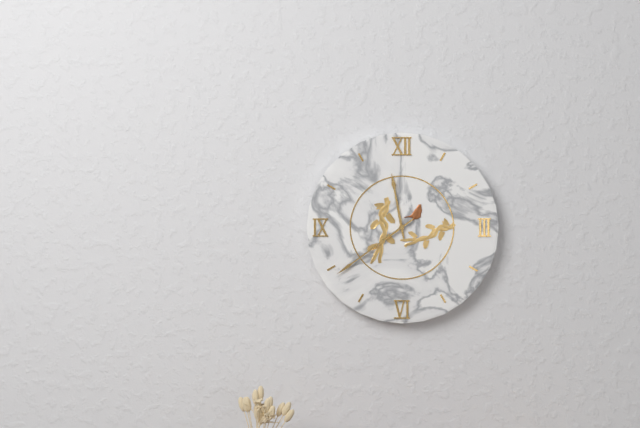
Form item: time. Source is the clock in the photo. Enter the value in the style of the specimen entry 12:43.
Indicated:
11:39
